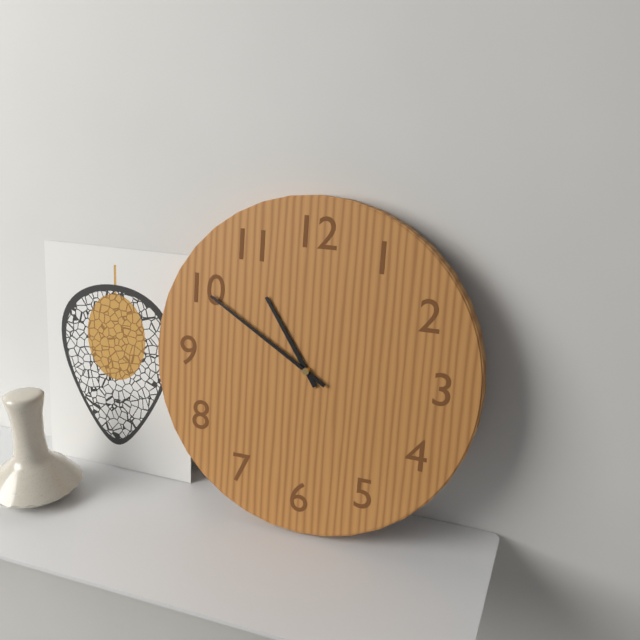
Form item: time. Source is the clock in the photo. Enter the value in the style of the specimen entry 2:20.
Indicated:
10:50
